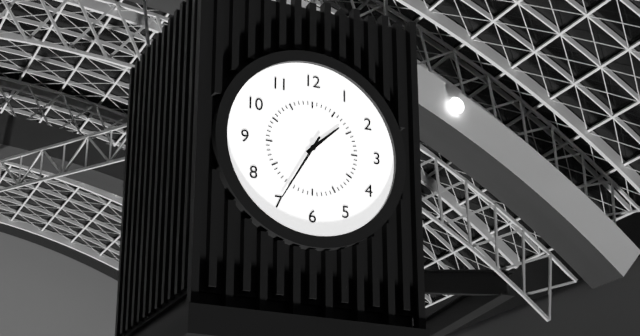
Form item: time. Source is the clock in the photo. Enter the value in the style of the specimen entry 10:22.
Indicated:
1:35
